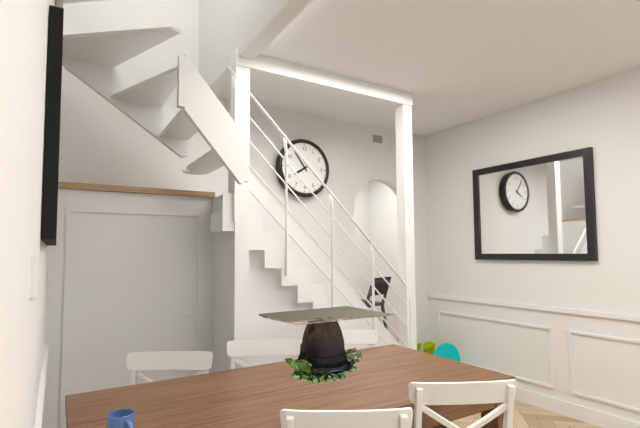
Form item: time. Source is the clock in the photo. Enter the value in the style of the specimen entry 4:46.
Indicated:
7:54
